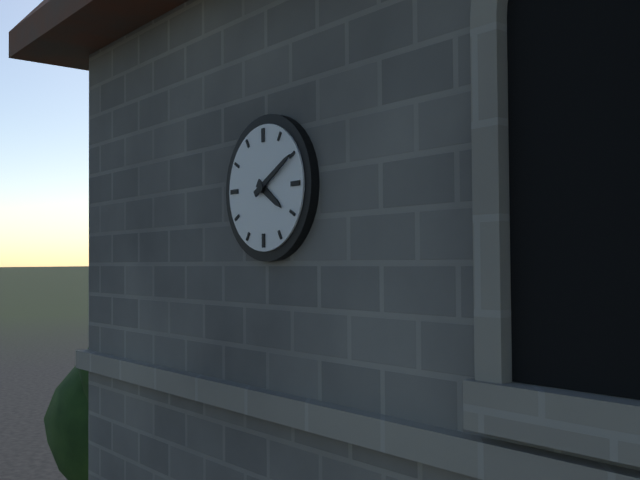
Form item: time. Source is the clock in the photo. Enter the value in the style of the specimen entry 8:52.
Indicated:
4:10
